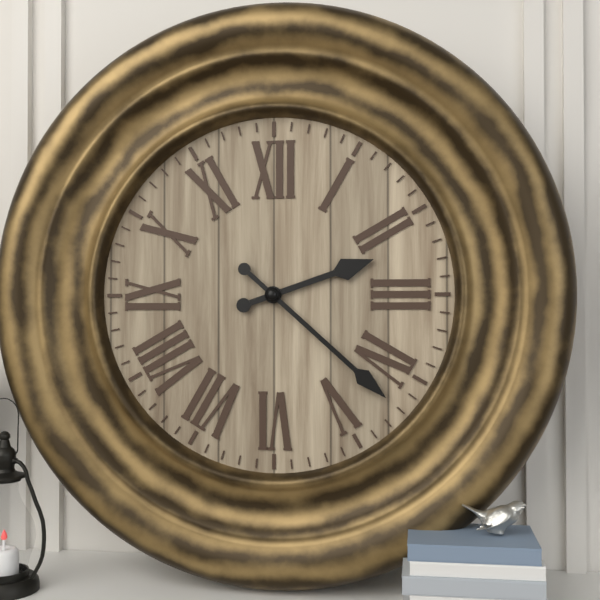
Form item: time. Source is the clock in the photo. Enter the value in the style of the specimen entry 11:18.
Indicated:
2:22
